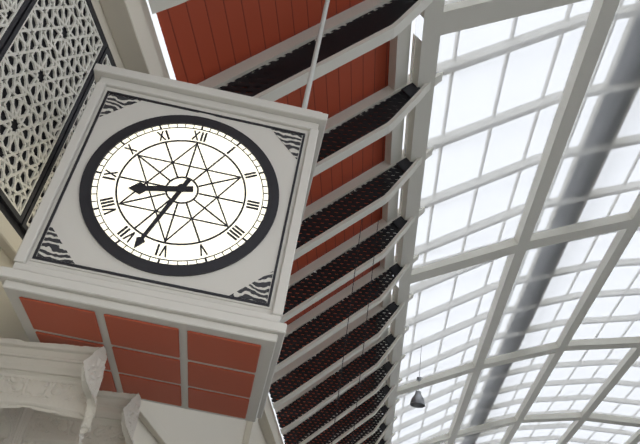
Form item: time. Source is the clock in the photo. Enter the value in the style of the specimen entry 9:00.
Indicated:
8:33
